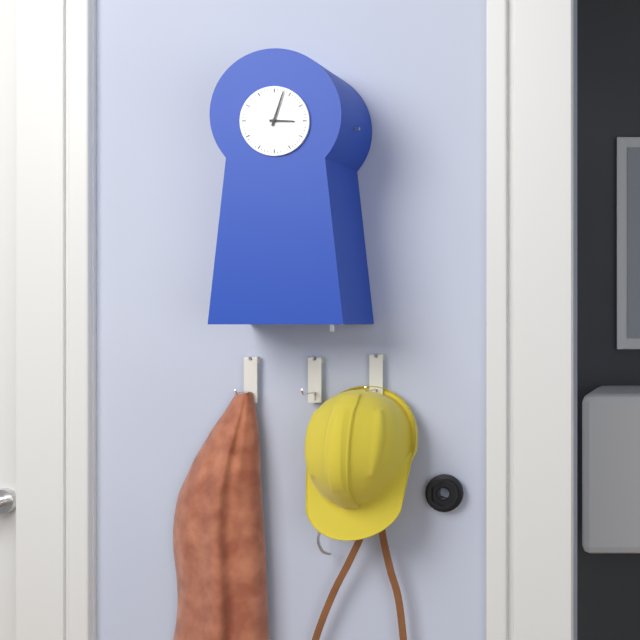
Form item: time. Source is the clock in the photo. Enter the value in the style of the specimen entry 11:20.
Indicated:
3:03
